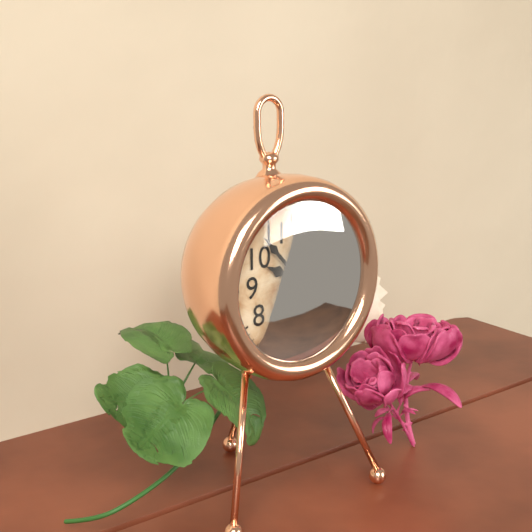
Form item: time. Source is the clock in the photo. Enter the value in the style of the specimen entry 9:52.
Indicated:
9:53
